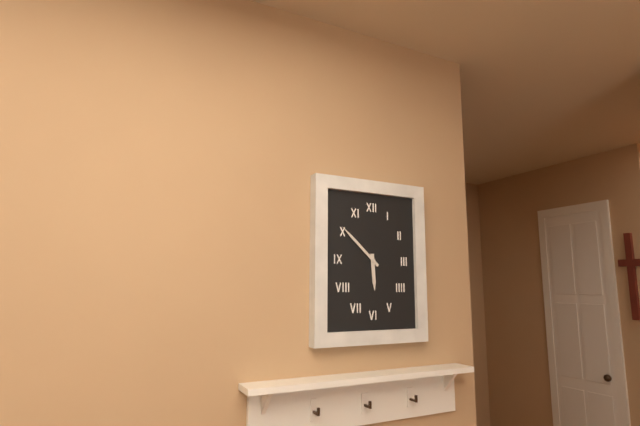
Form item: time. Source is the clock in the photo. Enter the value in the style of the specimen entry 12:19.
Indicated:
5:52
